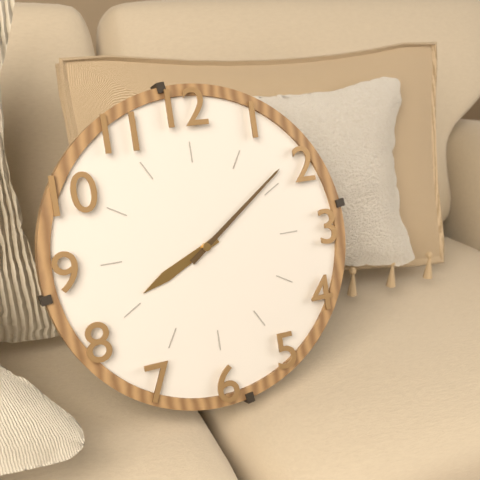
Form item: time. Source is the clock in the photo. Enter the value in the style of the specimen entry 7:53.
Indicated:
8:09
